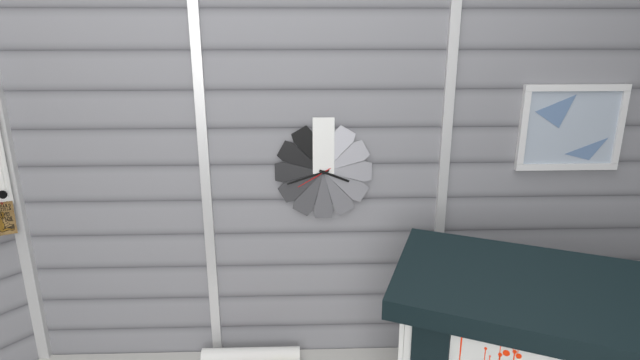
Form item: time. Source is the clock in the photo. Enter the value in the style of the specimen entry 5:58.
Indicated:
3:42
